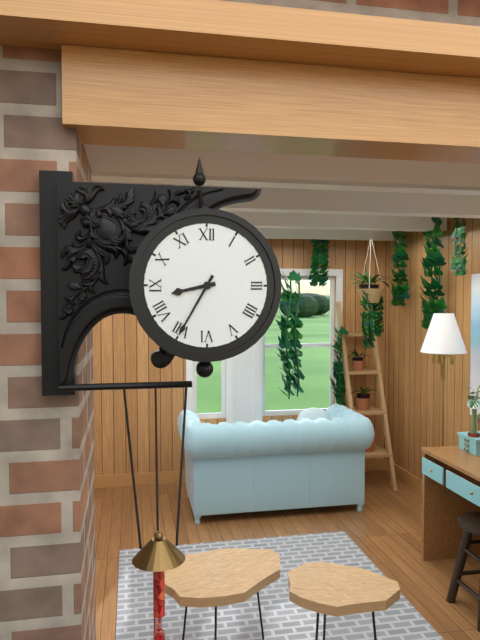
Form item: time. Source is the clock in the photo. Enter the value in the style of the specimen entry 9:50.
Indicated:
8:35
